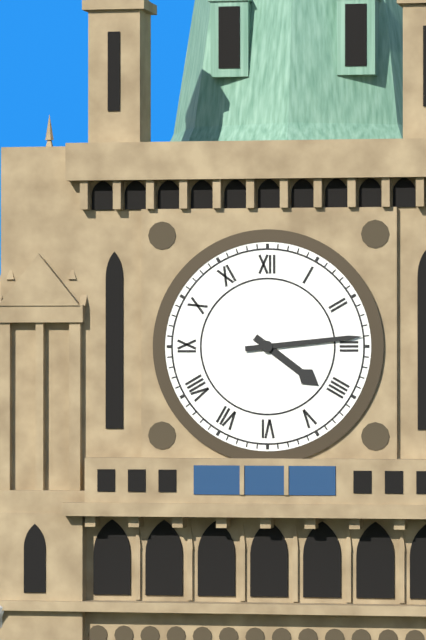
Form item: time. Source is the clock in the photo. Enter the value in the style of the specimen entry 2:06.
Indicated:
4:14
